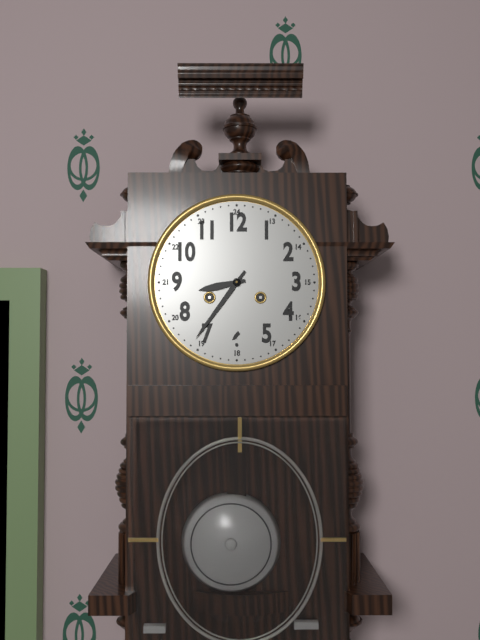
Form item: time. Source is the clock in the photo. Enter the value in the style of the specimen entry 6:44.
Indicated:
8:36
